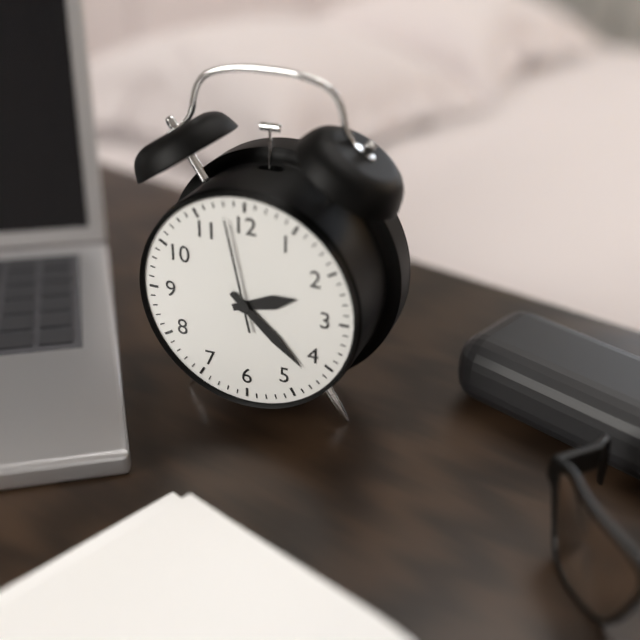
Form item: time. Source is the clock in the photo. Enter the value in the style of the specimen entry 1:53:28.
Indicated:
2:22:58
